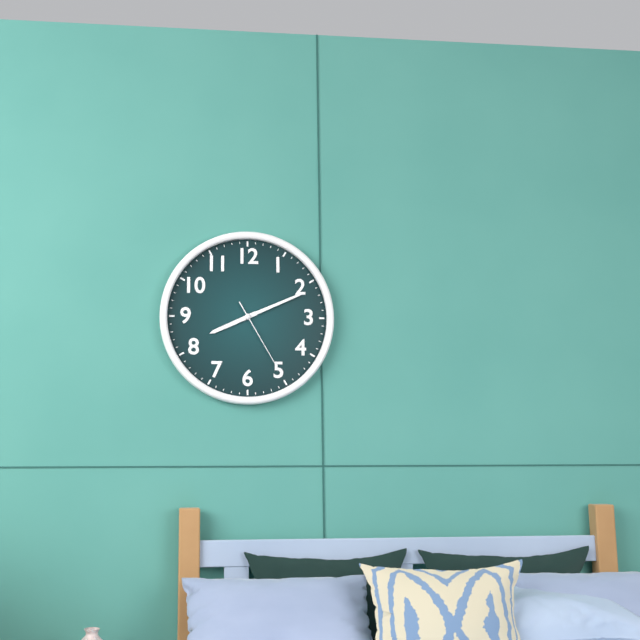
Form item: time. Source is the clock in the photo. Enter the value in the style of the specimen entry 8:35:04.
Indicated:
8:11:25
